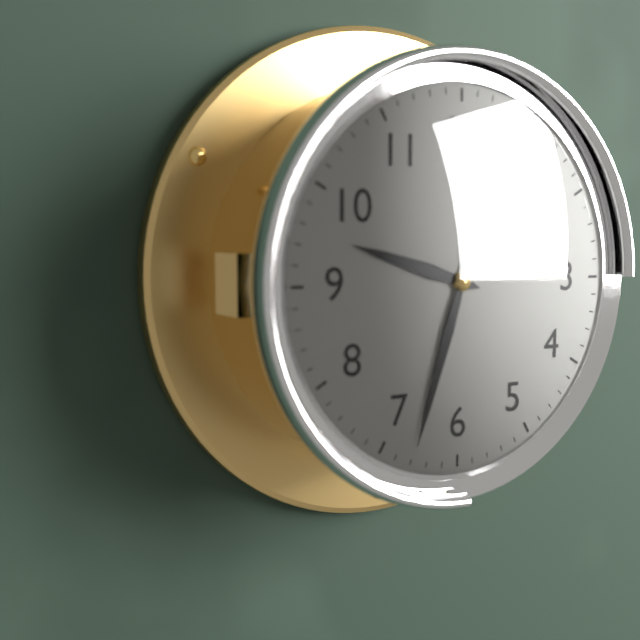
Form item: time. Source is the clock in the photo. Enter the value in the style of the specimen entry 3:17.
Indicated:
9:33
